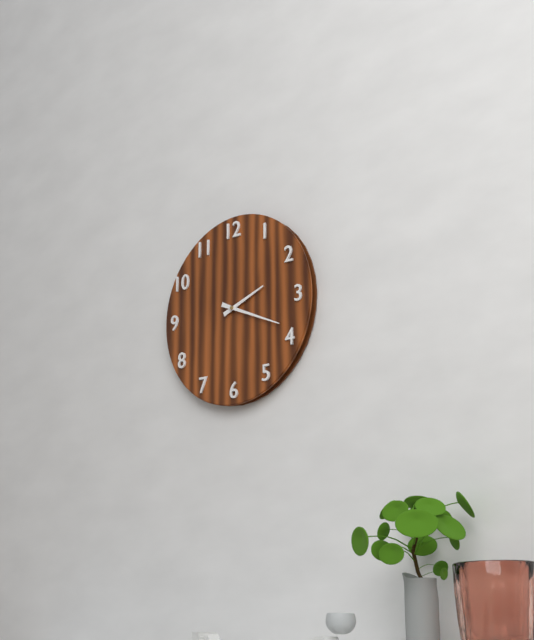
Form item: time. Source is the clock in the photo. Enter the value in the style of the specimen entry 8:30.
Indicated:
2:19
